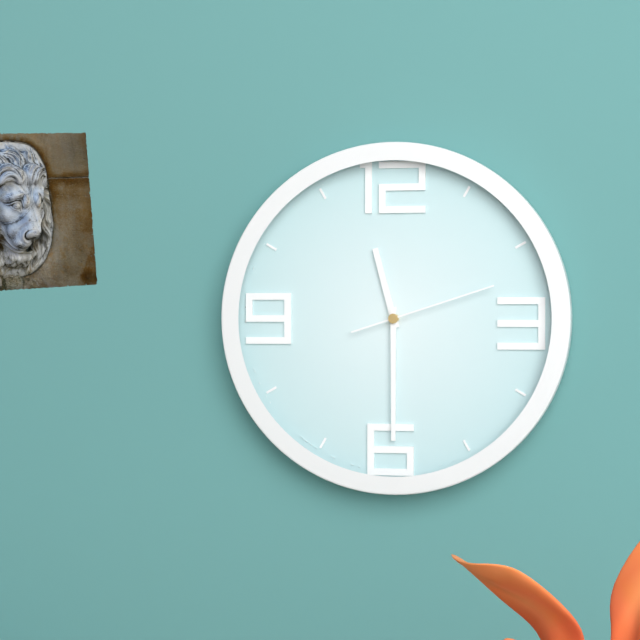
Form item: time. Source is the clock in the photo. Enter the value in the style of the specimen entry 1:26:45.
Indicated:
11:30:12
